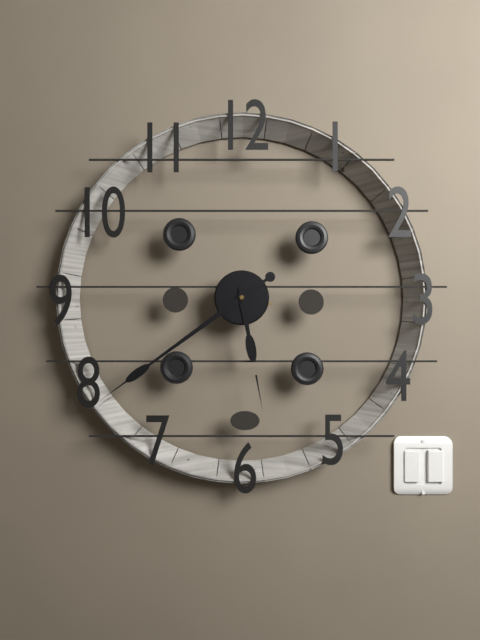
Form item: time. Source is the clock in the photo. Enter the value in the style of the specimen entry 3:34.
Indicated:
5:39
